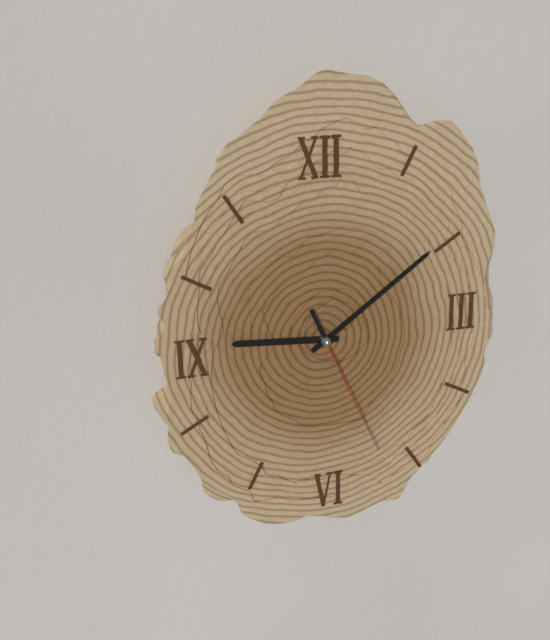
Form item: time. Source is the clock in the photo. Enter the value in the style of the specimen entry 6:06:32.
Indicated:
9:09:26
